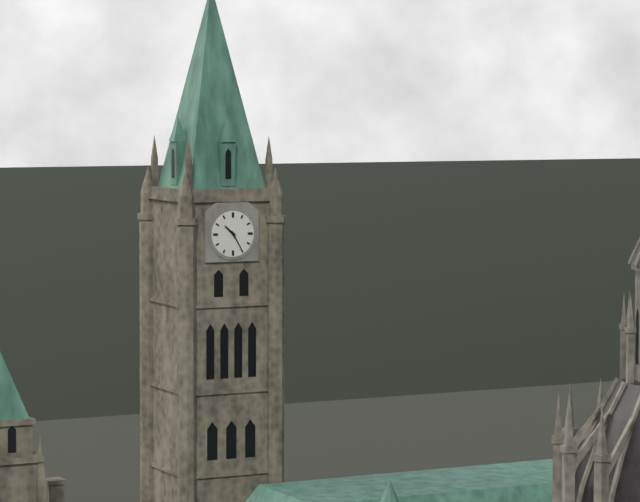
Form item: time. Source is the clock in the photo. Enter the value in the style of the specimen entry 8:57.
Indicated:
10:25
